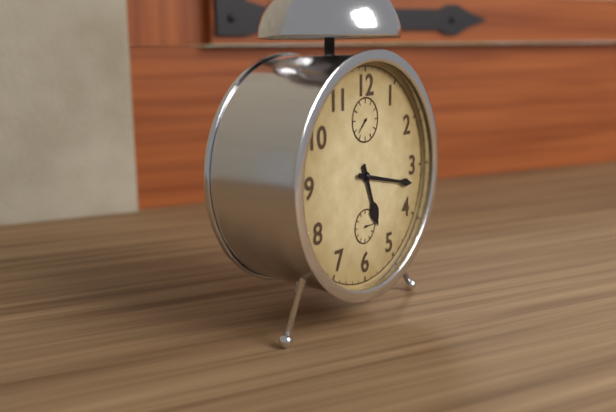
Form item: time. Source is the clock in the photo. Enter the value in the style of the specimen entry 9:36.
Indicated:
5:17
